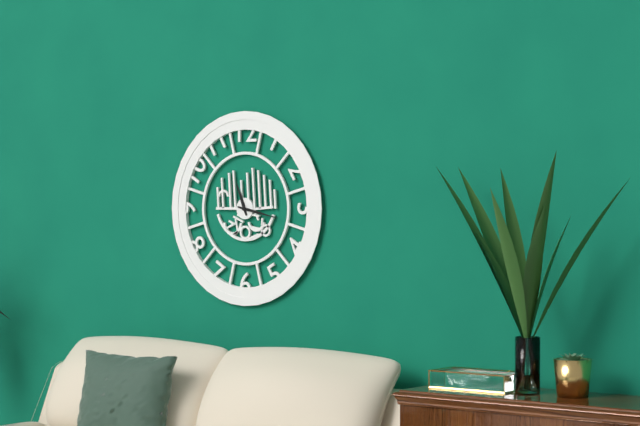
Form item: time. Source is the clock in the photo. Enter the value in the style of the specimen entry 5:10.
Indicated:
11:17
